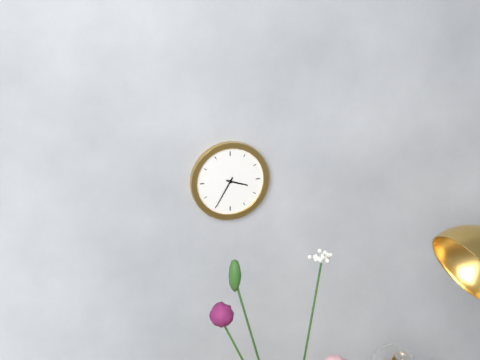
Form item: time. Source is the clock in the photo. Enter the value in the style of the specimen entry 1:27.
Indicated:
3:35
